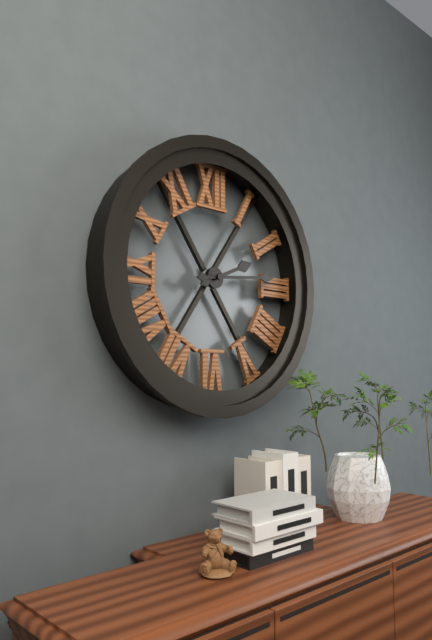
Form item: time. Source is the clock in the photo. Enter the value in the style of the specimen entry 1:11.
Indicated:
2:14
